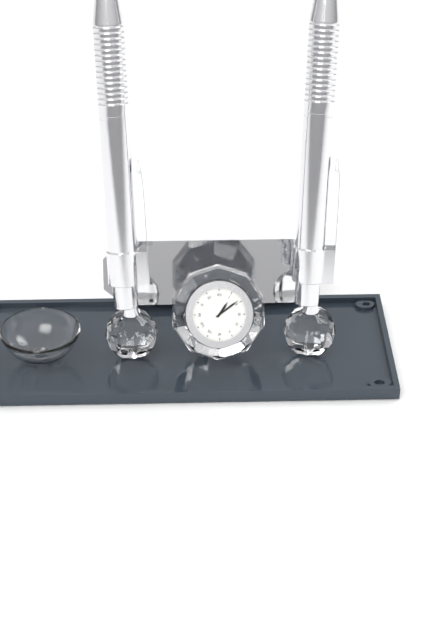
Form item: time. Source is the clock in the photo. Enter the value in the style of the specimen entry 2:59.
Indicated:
1:09
